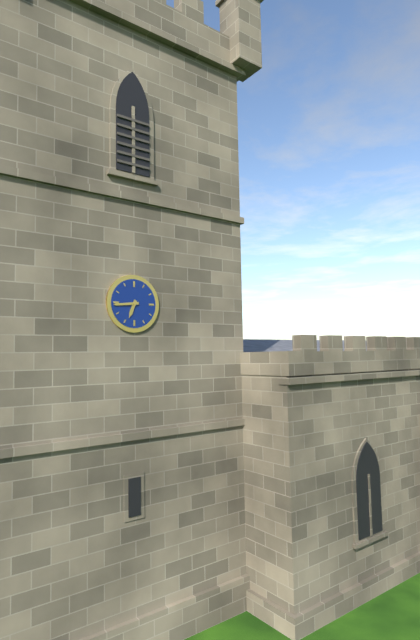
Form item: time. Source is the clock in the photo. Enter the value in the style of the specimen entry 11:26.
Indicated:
6:44
